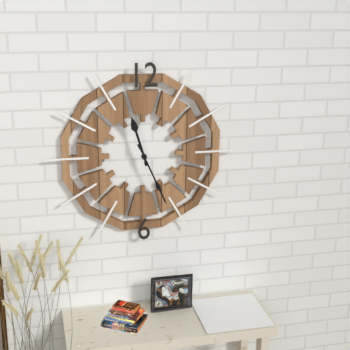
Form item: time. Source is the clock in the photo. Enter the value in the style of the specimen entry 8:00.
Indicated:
11:26
